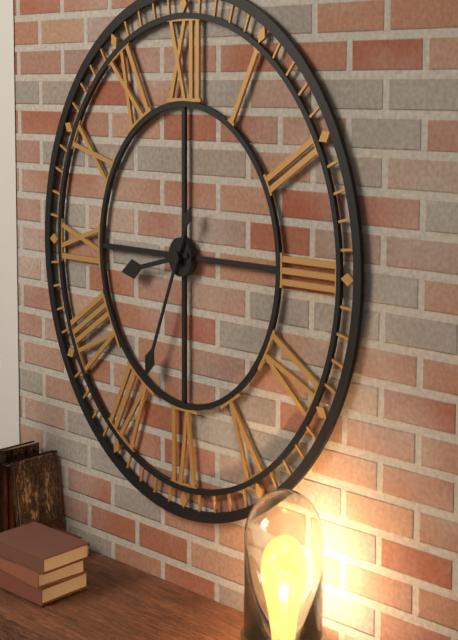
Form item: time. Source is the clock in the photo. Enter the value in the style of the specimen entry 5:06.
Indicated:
8:34
